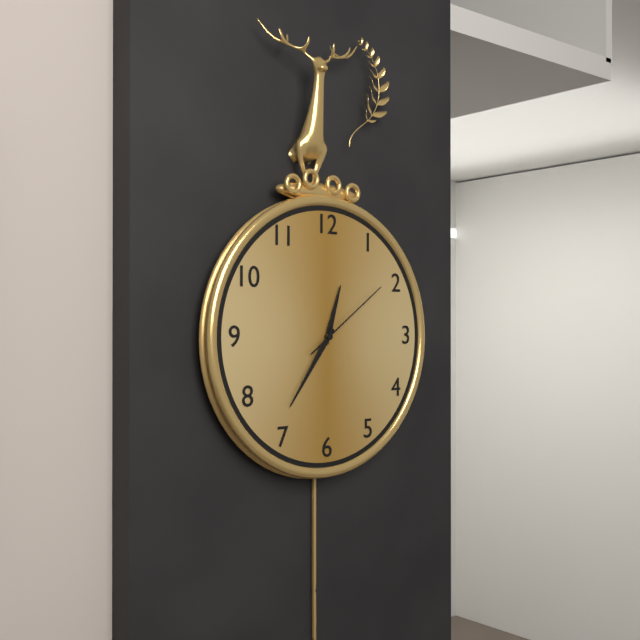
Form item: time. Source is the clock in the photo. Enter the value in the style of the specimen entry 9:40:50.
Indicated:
12:36:09
